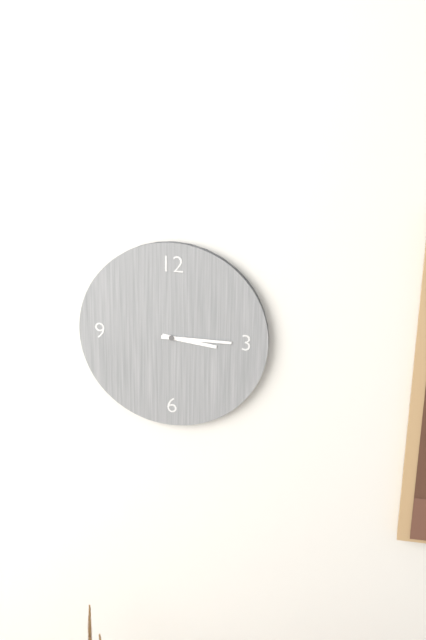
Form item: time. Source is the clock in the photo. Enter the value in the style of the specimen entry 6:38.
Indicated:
3:15
